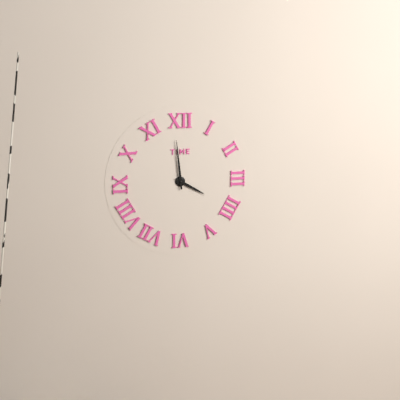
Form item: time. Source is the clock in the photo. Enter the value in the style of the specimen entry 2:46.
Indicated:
3:59
